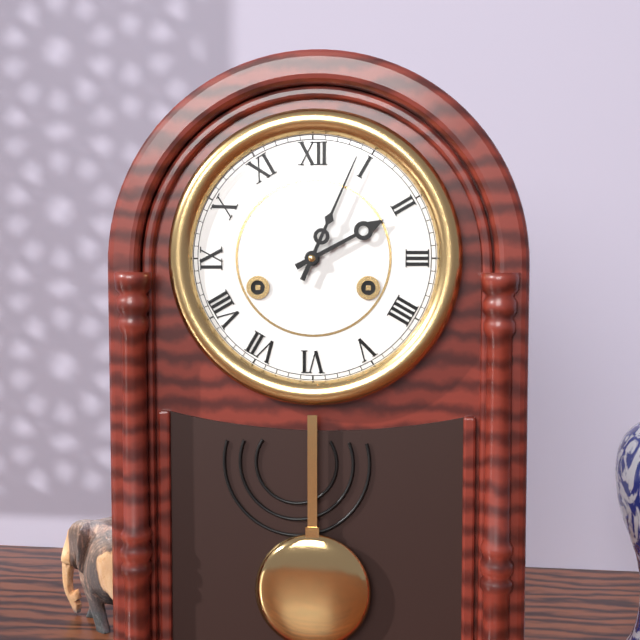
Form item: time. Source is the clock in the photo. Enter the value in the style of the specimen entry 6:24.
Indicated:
2:04
